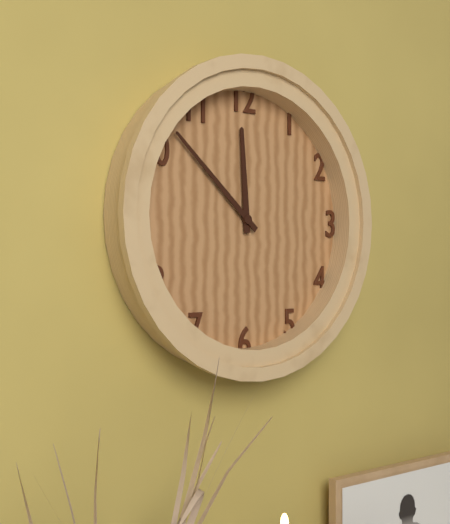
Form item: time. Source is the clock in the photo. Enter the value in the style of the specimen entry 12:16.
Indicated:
11:52
